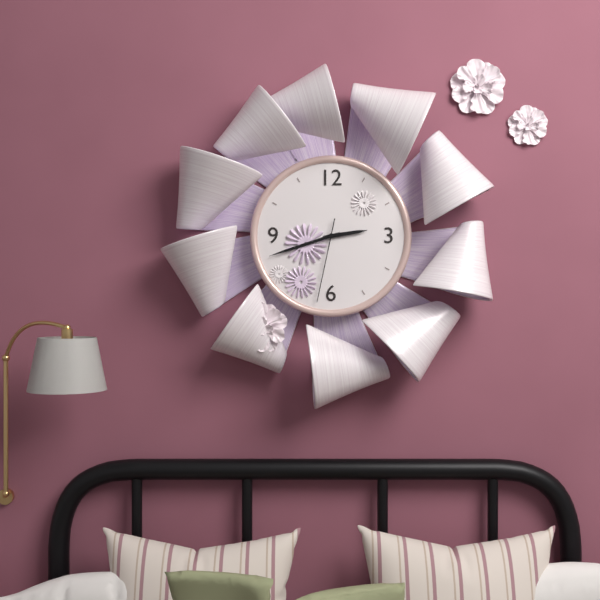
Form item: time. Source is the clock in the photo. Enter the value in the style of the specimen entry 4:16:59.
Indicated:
2:42:32
